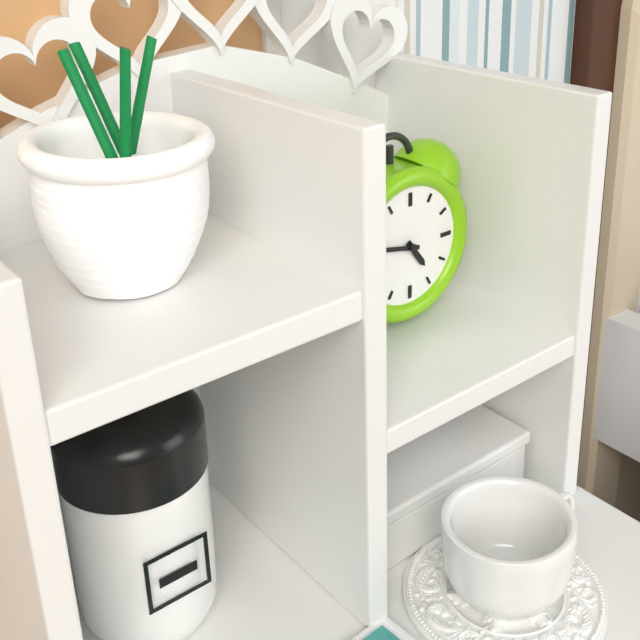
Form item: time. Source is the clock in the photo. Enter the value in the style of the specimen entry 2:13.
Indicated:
4:47
